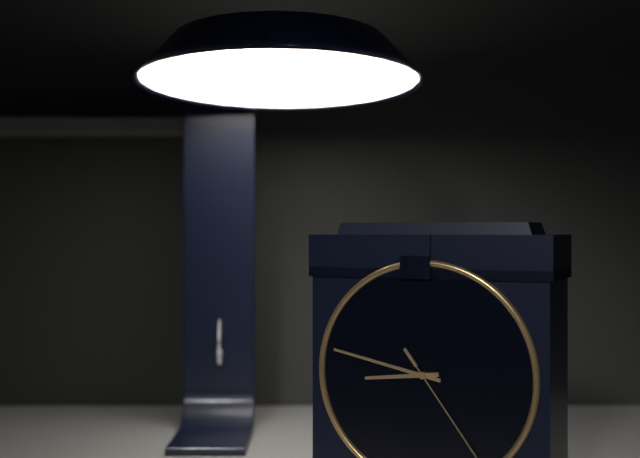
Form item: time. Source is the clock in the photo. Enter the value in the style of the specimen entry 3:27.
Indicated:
8:47
